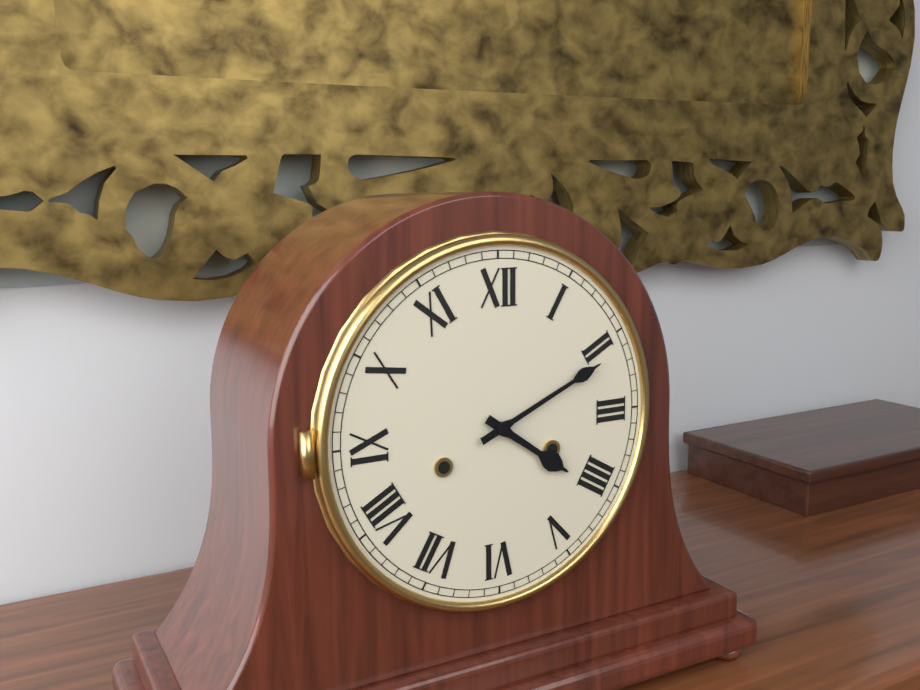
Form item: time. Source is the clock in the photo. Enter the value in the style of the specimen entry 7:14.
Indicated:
4:11
